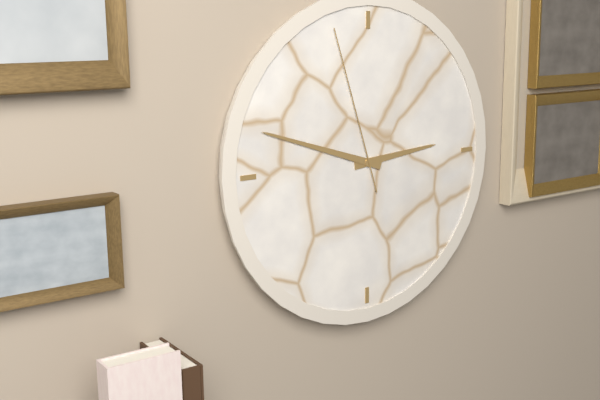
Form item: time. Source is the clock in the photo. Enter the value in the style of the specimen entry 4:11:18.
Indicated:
2:48:57
